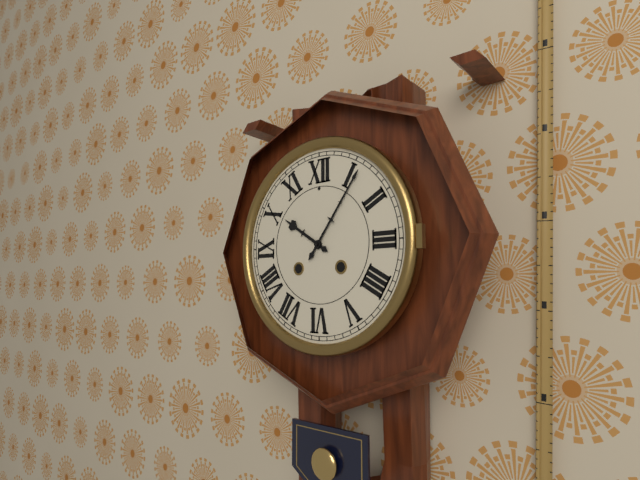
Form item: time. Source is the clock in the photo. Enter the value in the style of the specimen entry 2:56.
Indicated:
10:06
